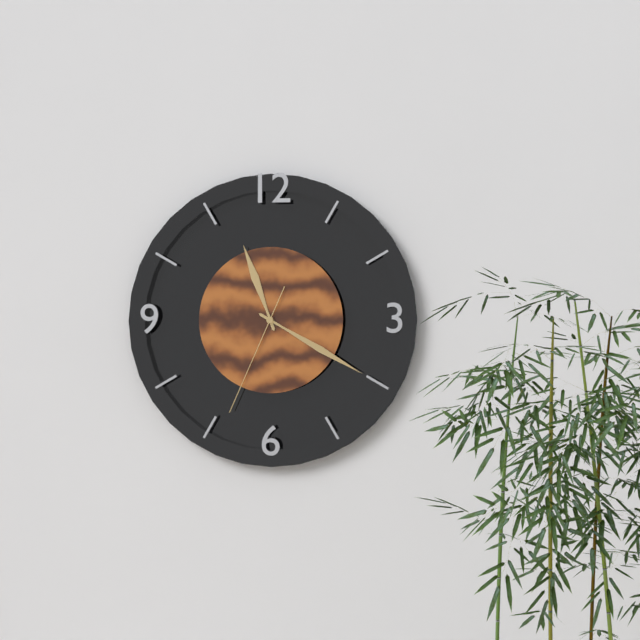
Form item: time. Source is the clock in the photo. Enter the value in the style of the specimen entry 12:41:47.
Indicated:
11:20:34
